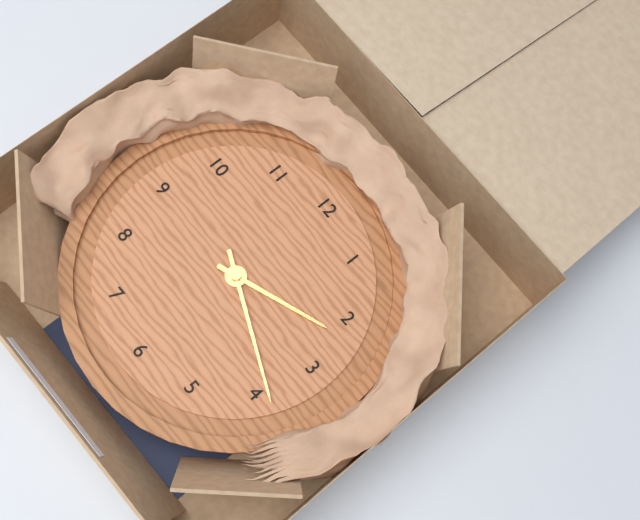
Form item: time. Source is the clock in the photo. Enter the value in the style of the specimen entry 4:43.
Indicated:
2:19
